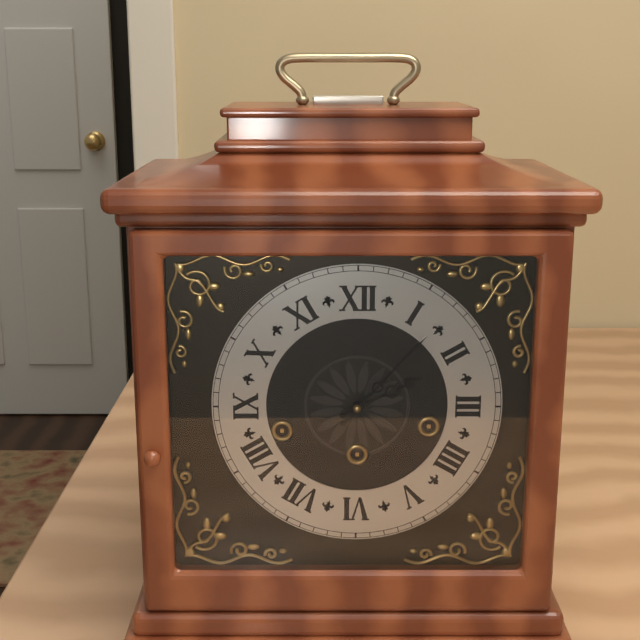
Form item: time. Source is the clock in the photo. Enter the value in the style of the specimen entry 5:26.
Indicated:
2:07
